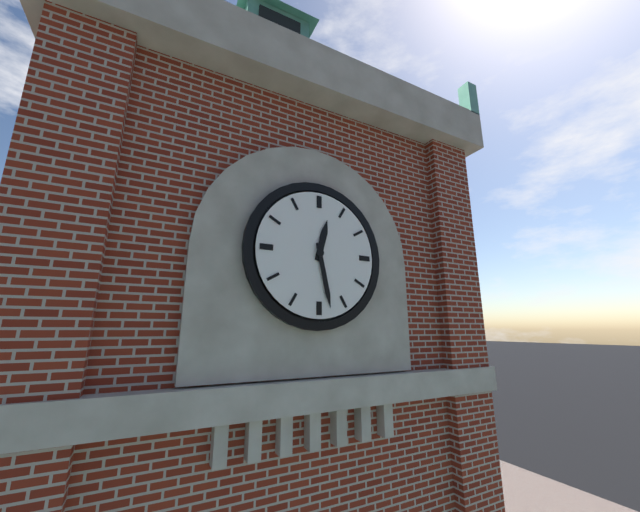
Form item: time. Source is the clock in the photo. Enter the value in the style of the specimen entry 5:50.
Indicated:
12:28
